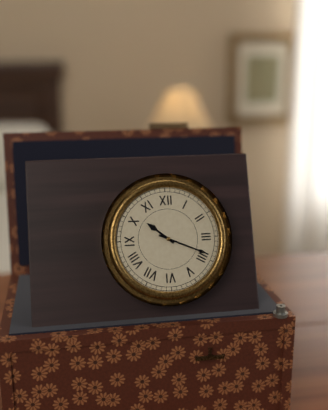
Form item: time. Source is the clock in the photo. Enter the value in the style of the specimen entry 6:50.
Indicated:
10:19
